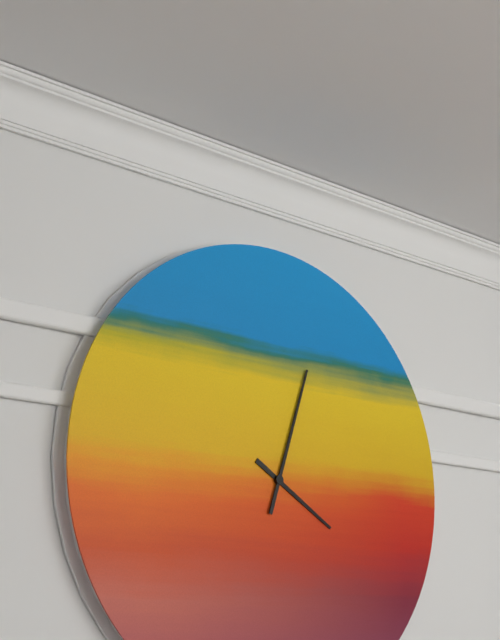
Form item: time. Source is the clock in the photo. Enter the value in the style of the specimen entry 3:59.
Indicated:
4:03
